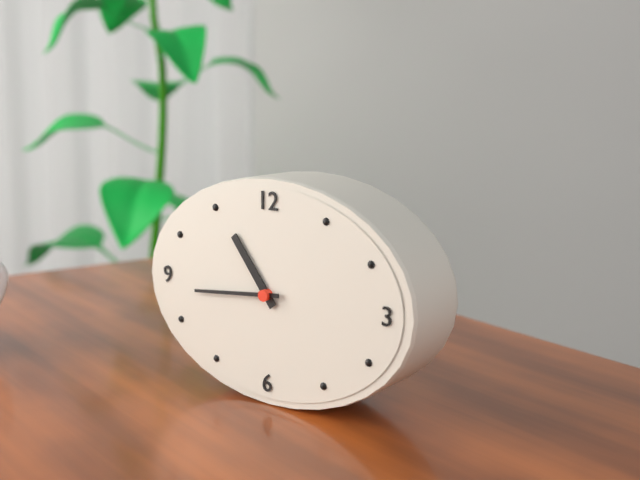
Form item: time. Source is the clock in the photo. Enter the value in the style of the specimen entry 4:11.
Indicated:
10:44
